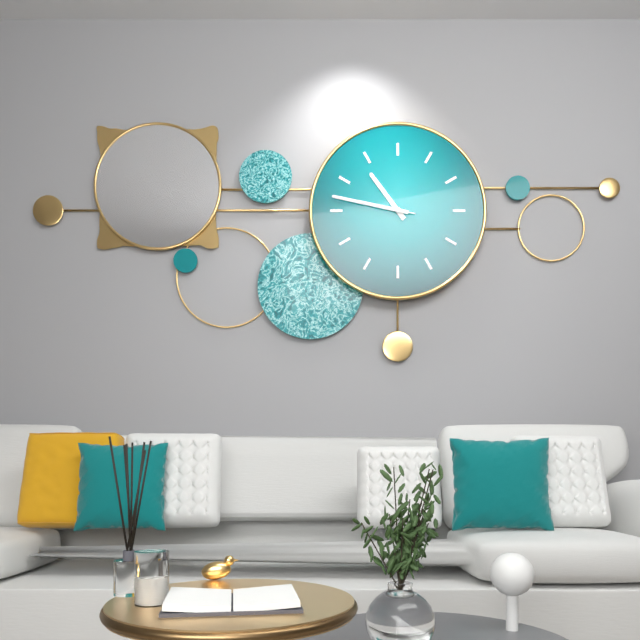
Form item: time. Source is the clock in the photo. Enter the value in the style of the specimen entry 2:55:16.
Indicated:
10:47:47
